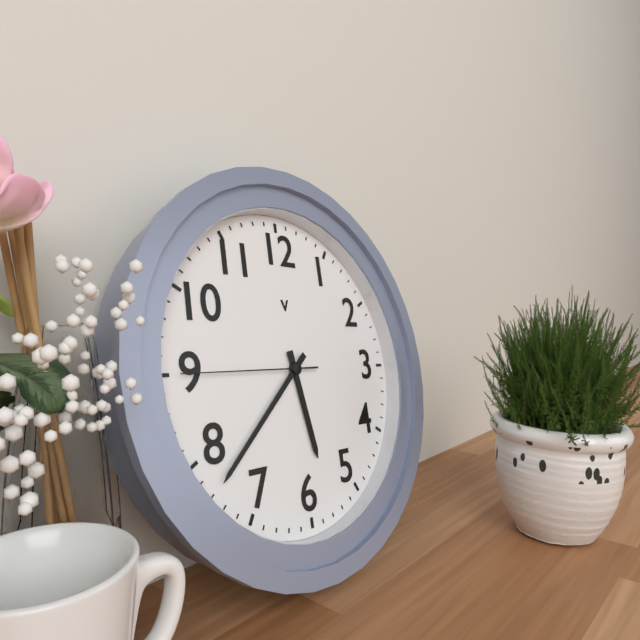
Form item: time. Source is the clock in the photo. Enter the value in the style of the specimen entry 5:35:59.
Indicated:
5:38:45
